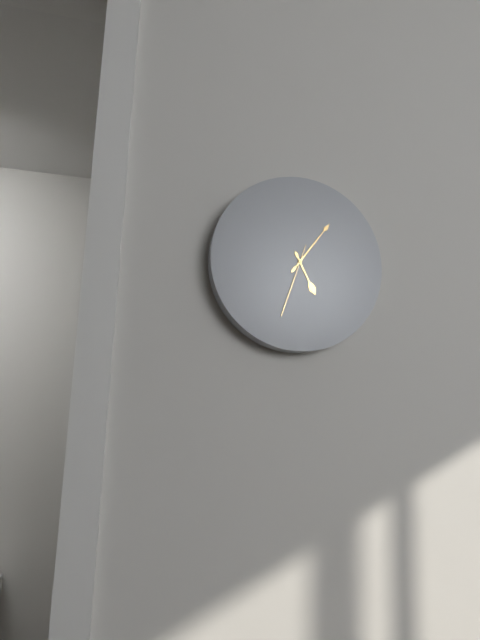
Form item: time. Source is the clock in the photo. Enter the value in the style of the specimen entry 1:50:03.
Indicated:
5:06:33
